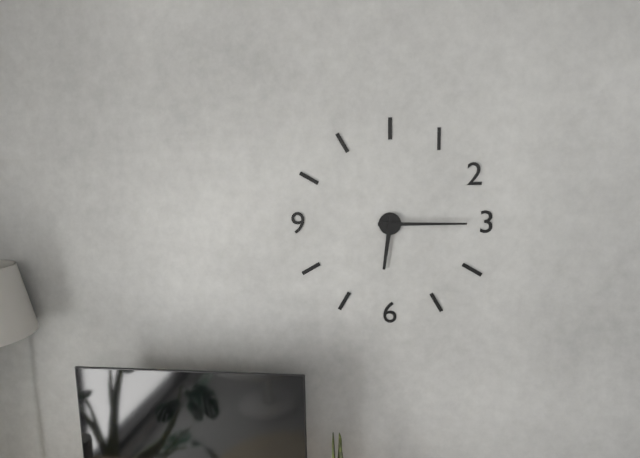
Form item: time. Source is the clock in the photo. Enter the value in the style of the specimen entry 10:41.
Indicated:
6:15
